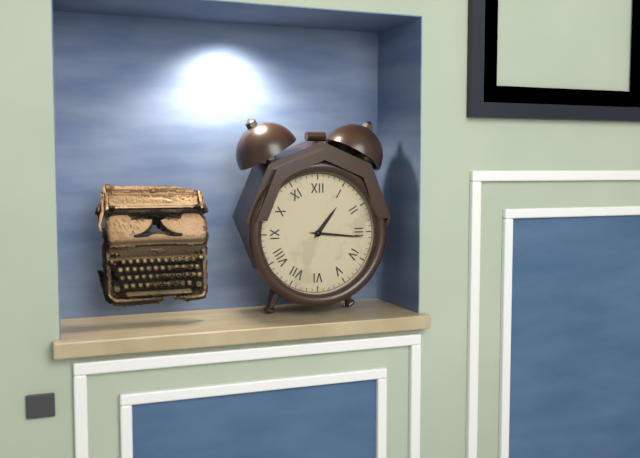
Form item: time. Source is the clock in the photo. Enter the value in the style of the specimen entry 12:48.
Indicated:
1:16
